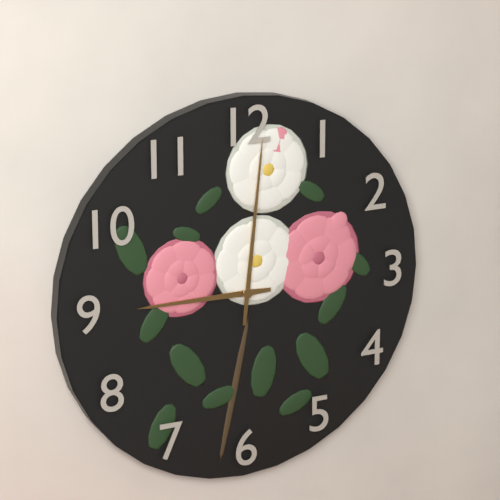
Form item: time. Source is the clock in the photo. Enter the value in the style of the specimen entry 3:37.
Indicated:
9:01
